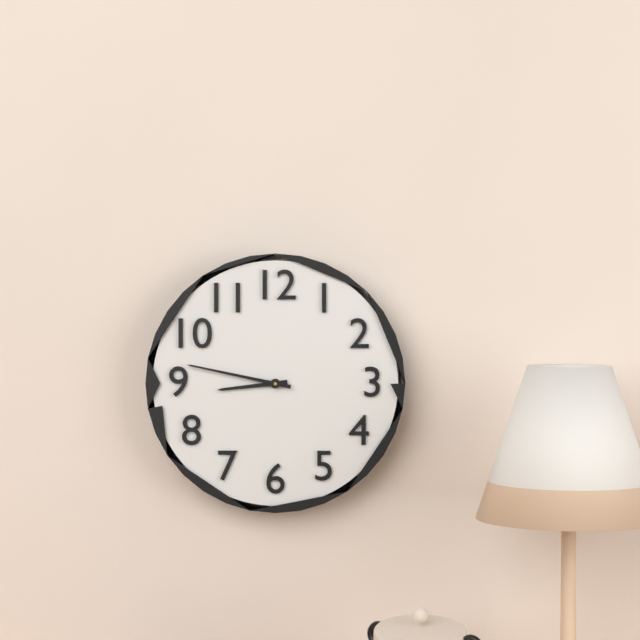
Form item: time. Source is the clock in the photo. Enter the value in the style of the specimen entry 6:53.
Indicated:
8:47
